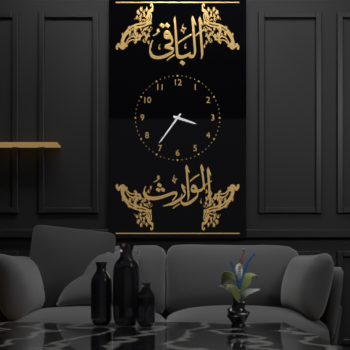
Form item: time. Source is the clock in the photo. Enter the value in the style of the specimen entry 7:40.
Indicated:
3:36
